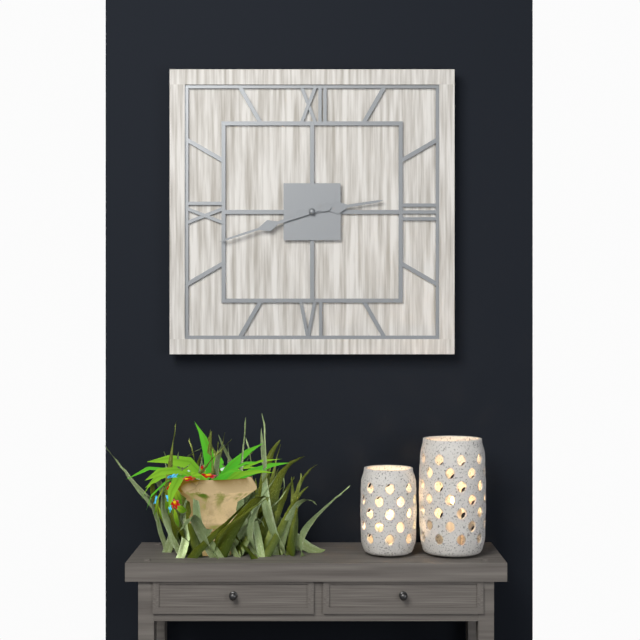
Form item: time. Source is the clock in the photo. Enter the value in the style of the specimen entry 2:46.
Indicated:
2:42
